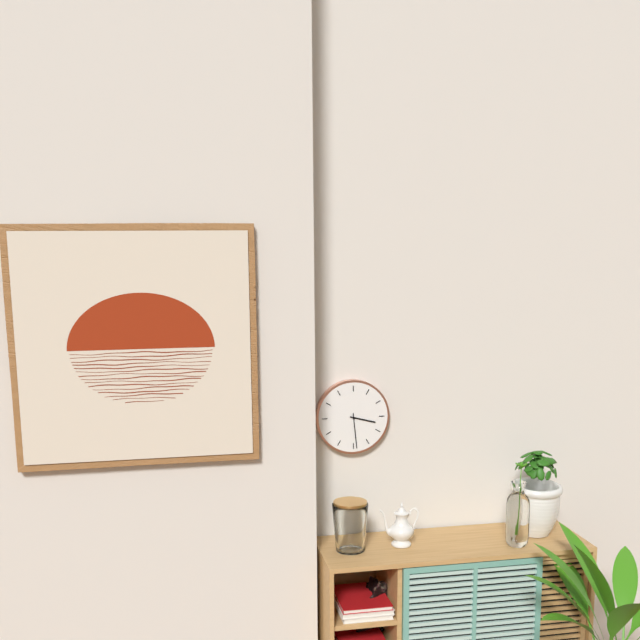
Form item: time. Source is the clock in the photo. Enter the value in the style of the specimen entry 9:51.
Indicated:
3:29
